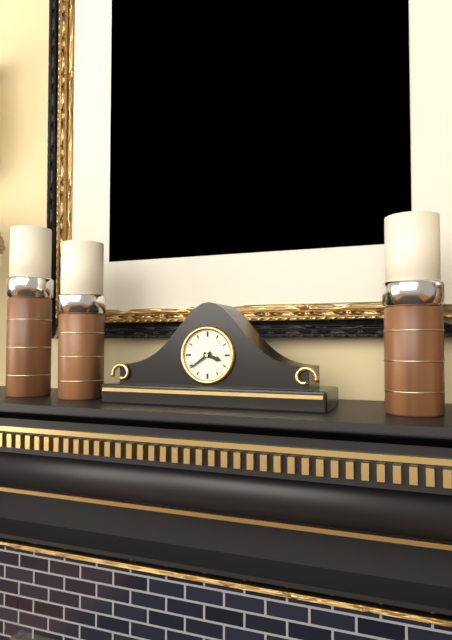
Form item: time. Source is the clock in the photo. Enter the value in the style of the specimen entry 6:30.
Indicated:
3:39
